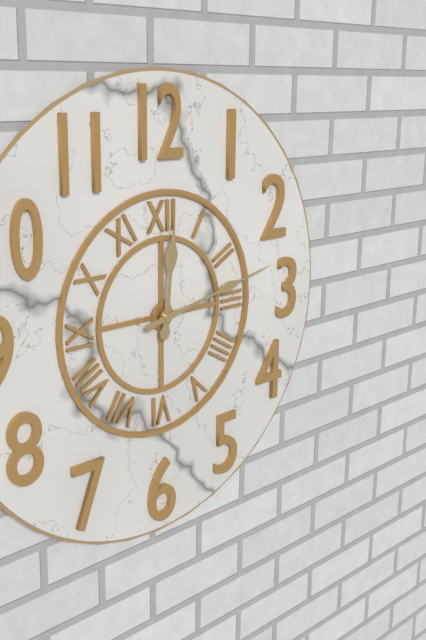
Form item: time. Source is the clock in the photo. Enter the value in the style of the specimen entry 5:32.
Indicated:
12:13
